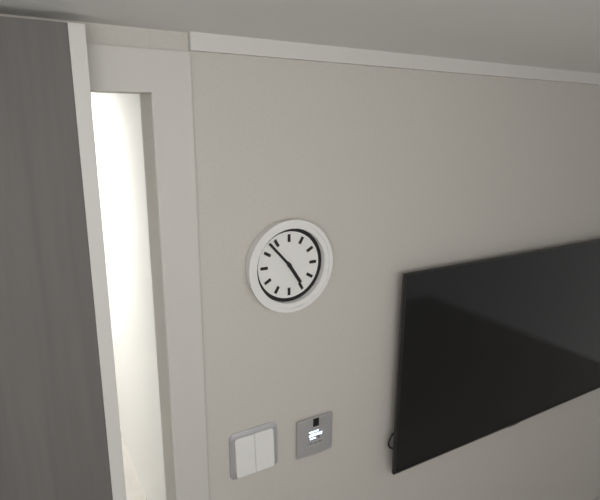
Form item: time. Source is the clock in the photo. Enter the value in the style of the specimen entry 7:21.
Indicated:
4:53
